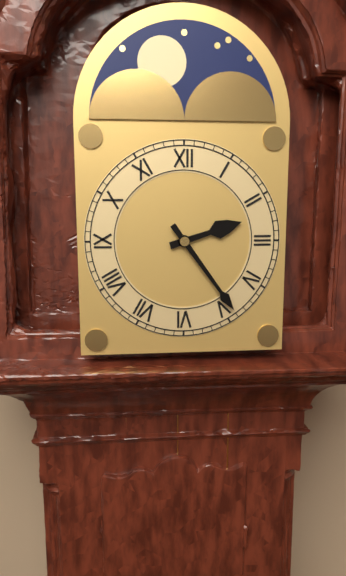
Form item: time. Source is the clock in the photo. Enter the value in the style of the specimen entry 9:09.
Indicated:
2:24
